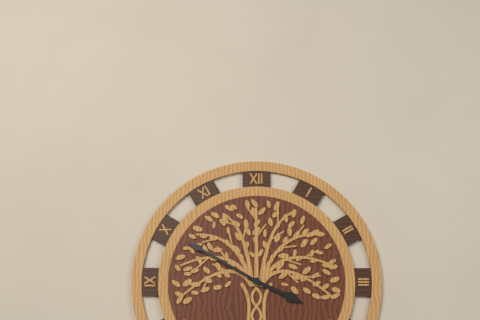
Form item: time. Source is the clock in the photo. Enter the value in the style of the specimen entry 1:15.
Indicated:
3:50
